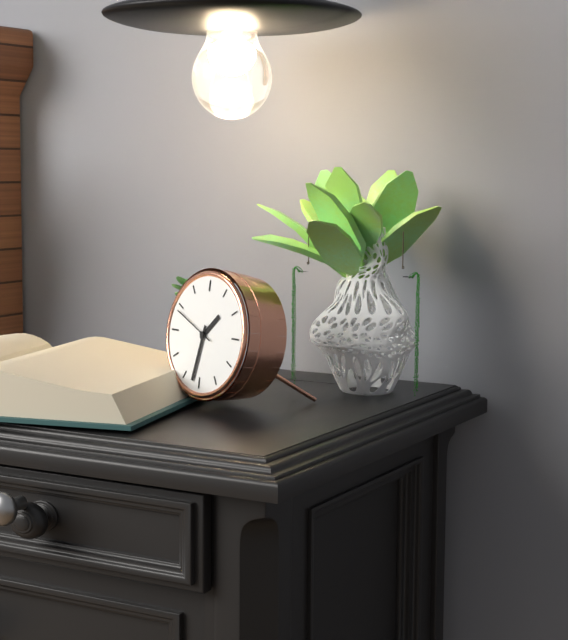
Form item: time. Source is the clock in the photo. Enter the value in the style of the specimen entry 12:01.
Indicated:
1:32
